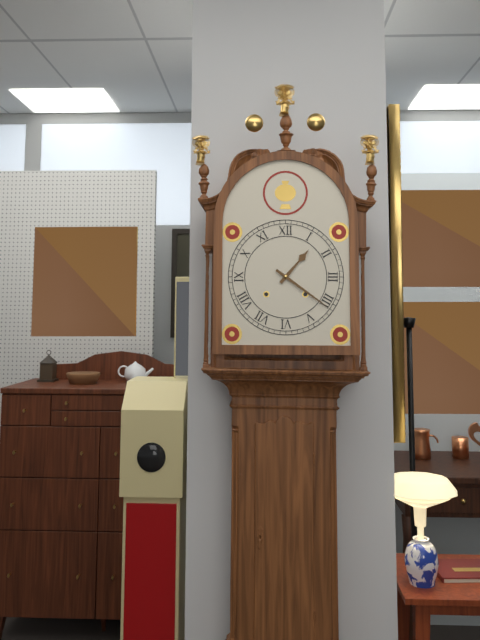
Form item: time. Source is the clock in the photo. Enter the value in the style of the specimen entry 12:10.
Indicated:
1:21
